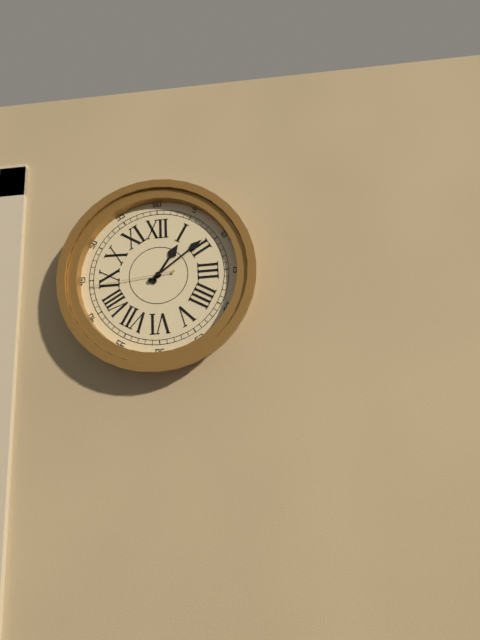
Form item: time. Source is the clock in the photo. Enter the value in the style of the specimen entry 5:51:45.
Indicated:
1:09:44
